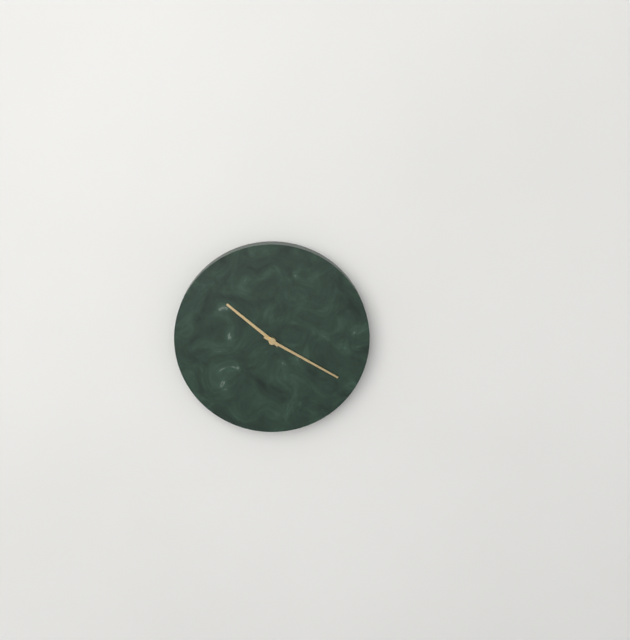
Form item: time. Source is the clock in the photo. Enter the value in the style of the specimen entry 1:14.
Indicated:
10:20
